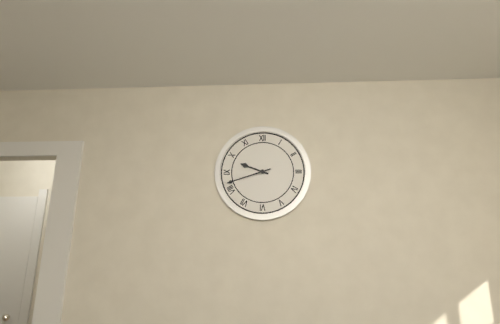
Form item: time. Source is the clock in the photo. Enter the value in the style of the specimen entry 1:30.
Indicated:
9:42
